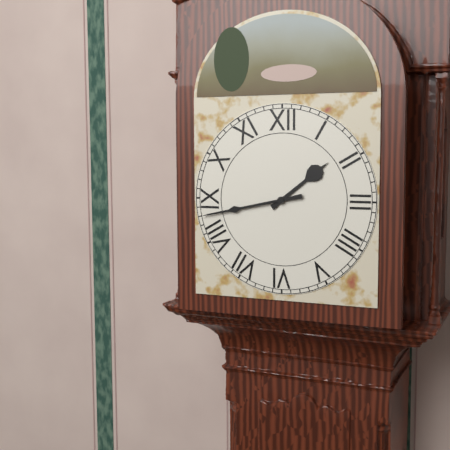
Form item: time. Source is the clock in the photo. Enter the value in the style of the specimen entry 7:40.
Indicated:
1:43
